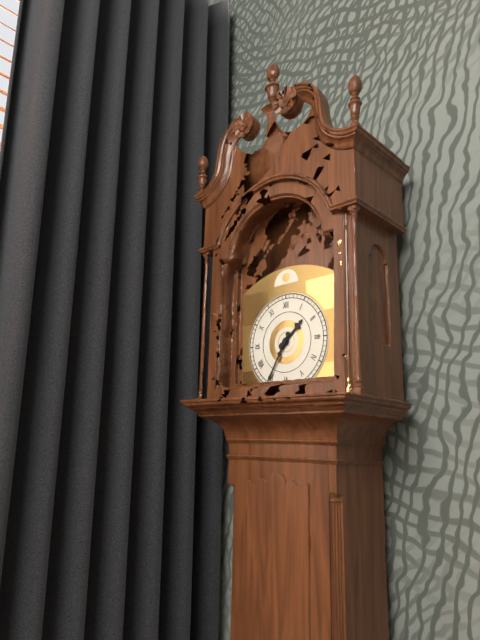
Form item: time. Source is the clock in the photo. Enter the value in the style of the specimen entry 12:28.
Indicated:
1:35
